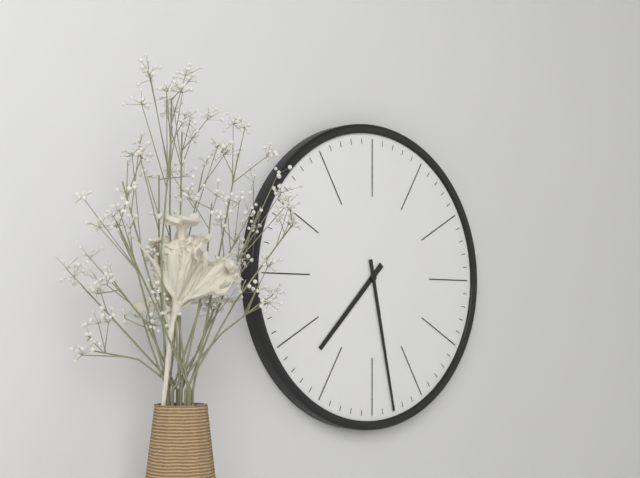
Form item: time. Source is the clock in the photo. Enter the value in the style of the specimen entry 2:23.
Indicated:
7:28
